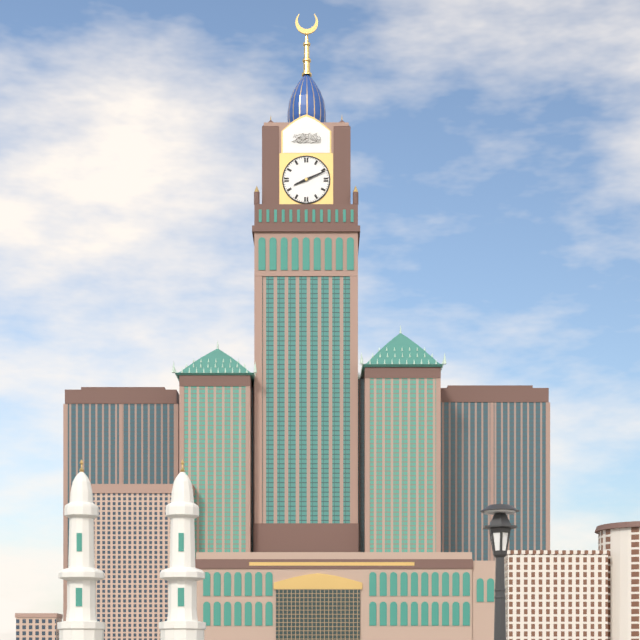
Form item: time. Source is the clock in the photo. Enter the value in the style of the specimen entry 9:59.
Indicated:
8:11
